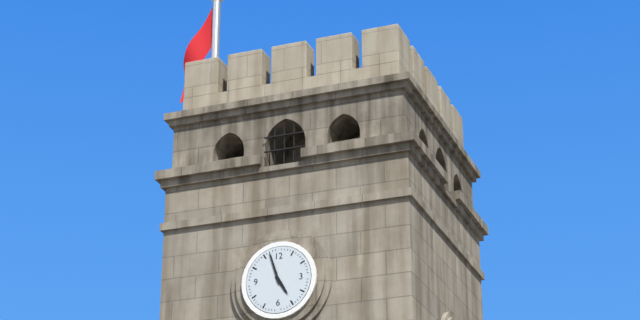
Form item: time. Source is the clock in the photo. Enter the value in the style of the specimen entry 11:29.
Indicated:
4:57
